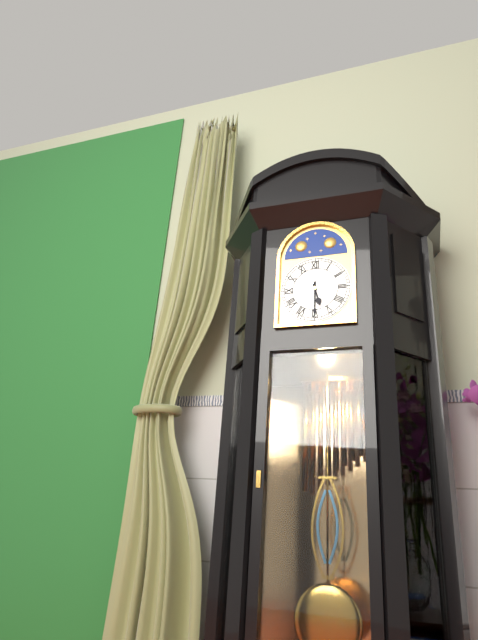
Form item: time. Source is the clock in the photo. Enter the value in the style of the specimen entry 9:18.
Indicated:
5:30
